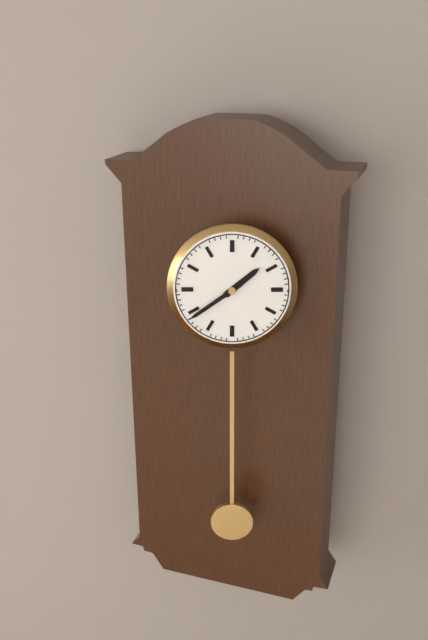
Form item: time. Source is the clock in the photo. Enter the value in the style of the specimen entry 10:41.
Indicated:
1:39
